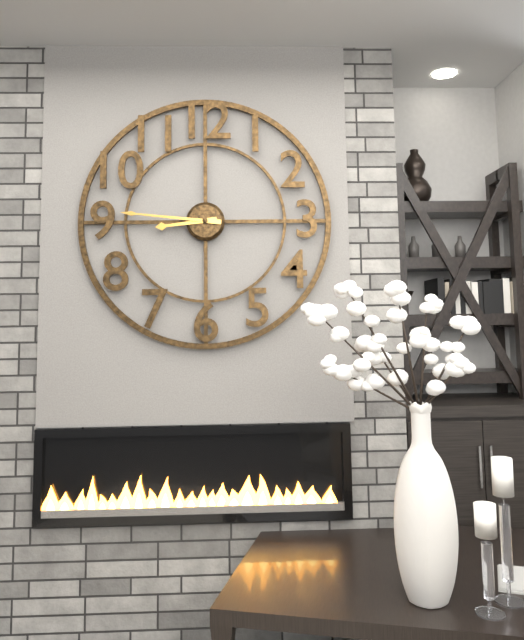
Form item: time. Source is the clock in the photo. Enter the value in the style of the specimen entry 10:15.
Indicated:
8:46
